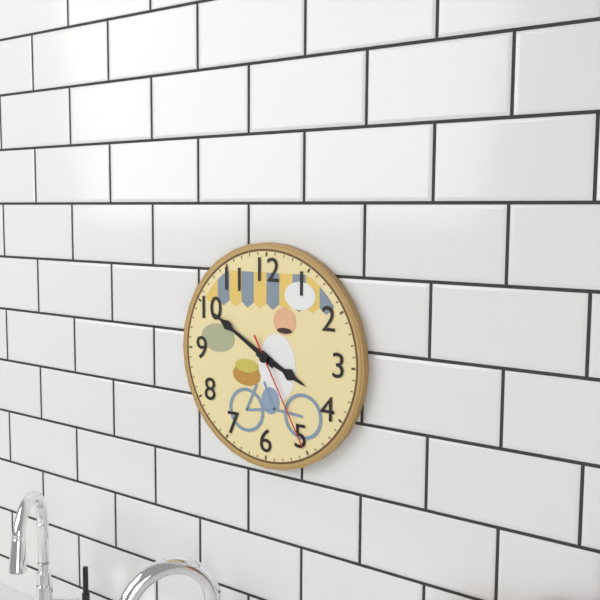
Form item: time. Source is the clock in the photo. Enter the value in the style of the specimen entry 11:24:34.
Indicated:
3:50:25
